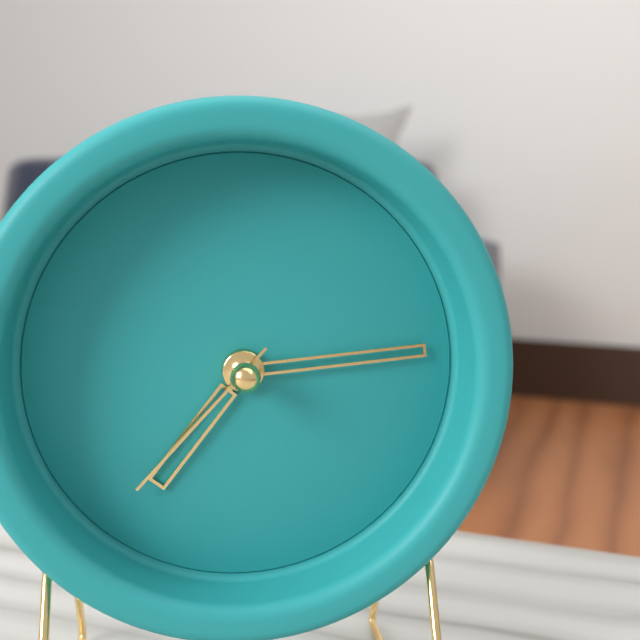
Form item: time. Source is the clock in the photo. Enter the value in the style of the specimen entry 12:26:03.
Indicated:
7:14:37
